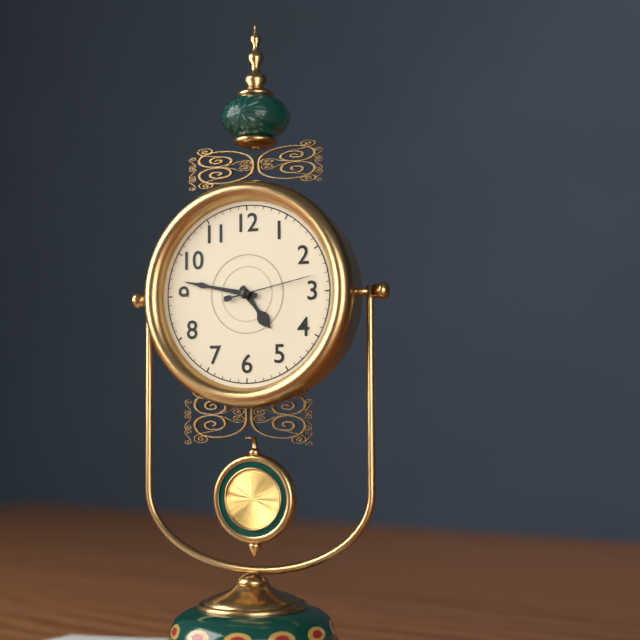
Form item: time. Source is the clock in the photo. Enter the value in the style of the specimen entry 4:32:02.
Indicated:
4:47:13
